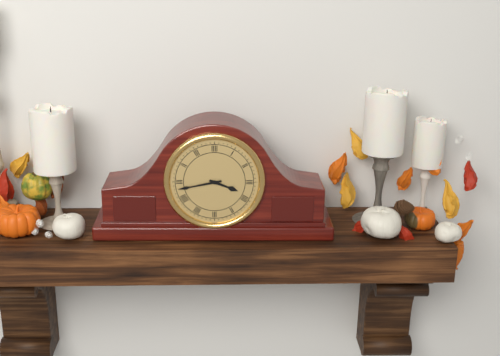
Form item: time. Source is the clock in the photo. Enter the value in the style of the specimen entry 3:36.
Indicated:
3:43
